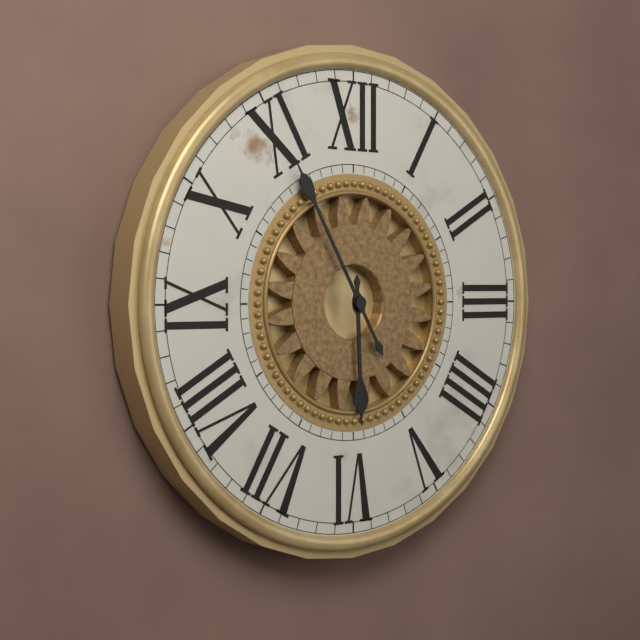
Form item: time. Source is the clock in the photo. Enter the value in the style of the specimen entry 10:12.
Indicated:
5:55
